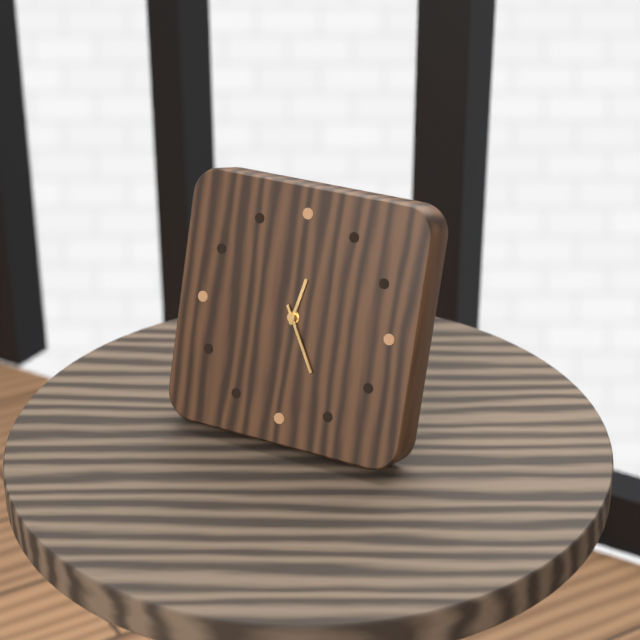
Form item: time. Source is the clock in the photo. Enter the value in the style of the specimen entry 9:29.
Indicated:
12:25
